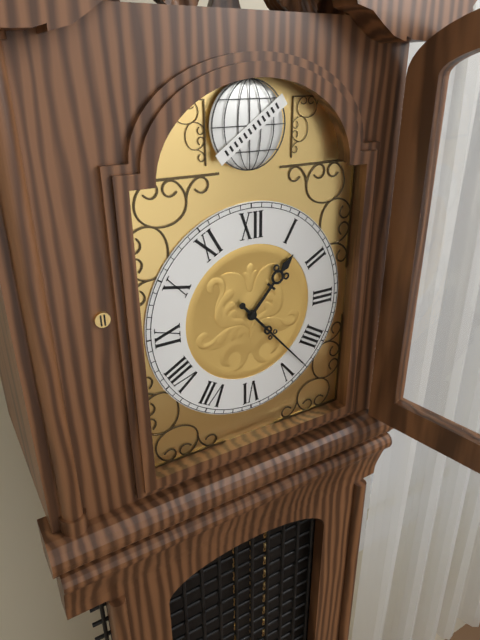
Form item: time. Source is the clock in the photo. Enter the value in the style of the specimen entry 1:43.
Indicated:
1:23
